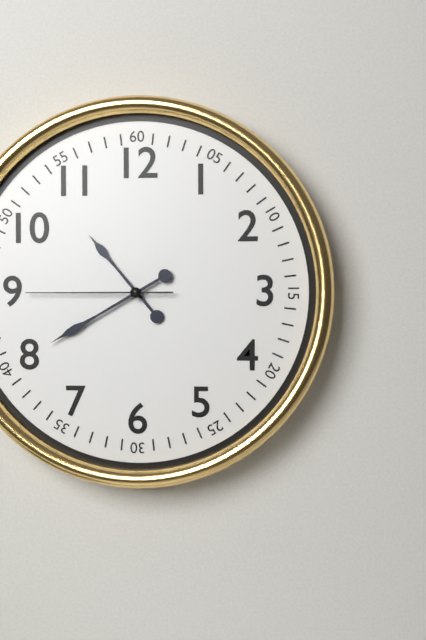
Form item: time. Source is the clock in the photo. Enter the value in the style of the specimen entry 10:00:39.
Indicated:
10:40:45
